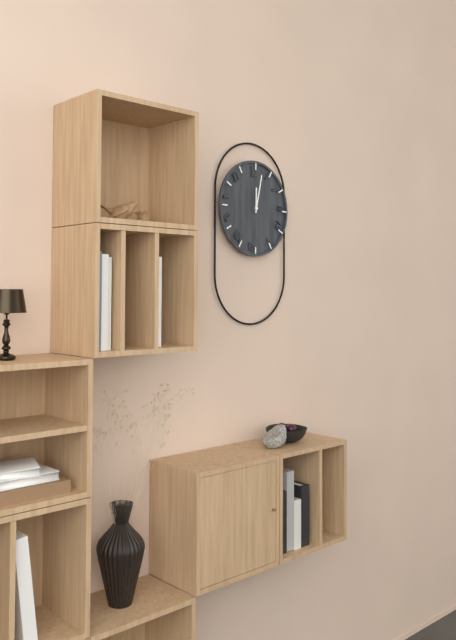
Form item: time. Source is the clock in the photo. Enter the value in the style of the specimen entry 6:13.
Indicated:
12:02
